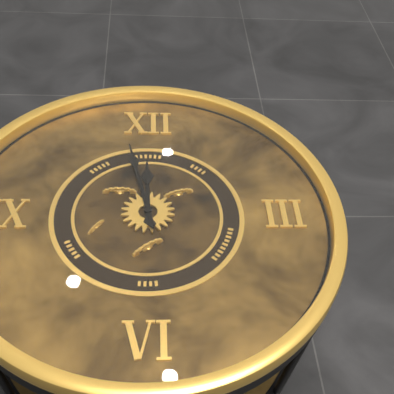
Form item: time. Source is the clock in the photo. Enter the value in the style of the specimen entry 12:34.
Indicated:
11:58
